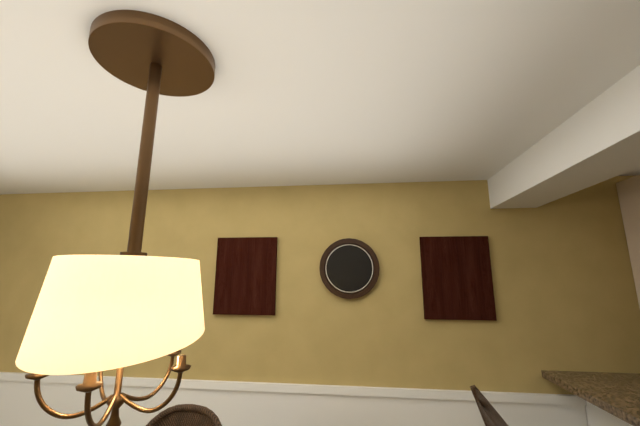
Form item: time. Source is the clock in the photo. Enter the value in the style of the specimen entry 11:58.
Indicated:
7:12
